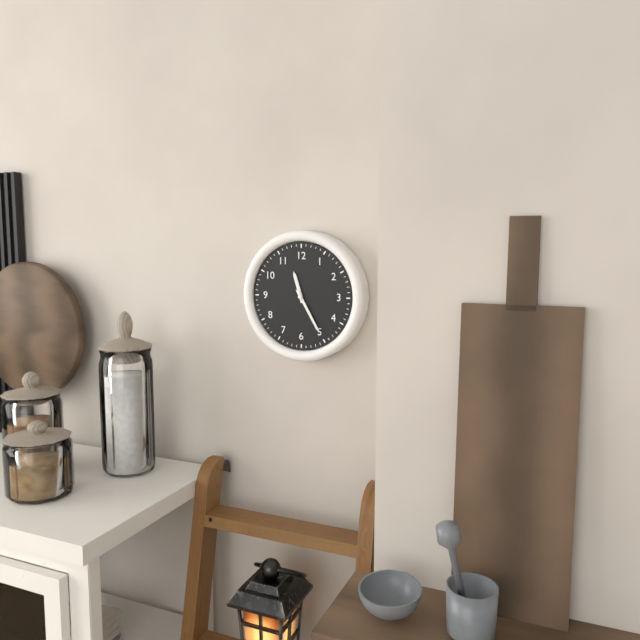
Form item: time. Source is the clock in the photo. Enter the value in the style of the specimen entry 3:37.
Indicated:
11:25
